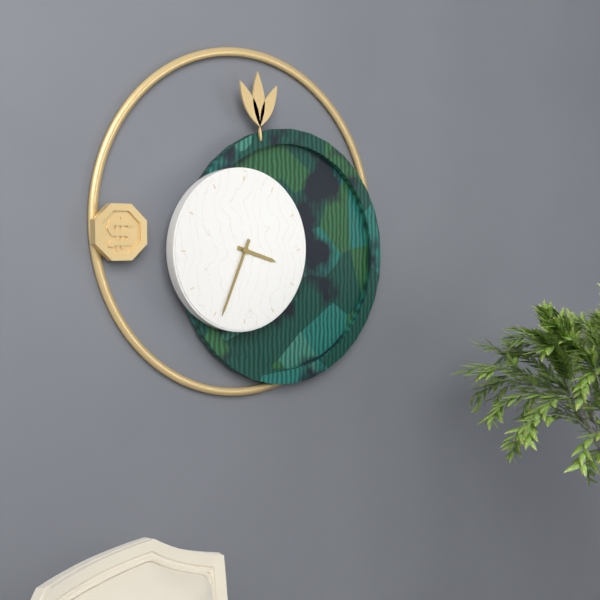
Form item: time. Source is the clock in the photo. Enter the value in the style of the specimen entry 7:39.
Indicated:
3:34
